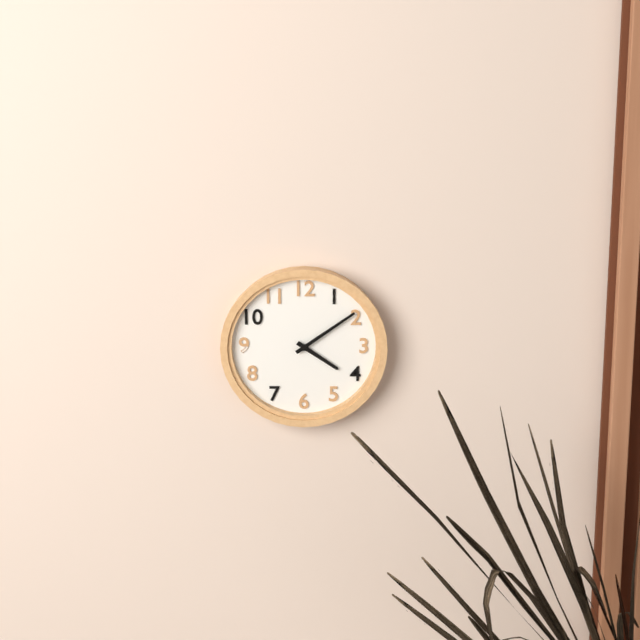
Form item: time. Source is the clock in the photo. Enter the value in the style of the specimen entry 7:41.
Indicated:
4:09
